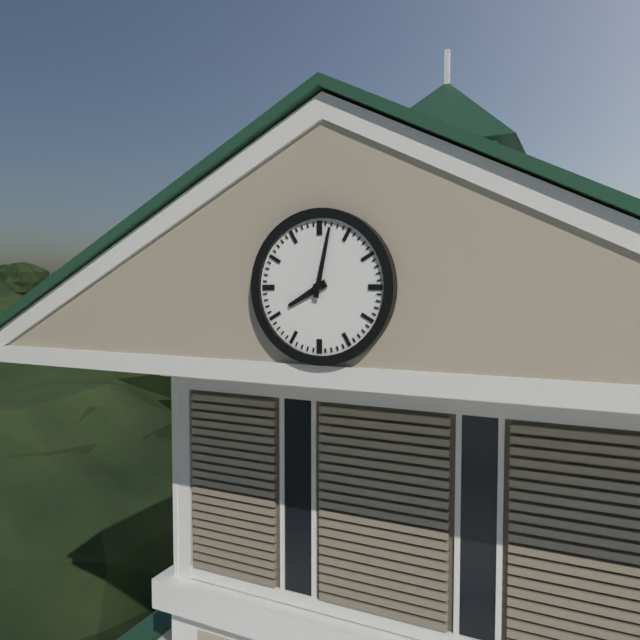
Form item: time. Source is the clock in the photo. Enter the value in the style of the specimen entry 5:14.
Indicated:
8:02
